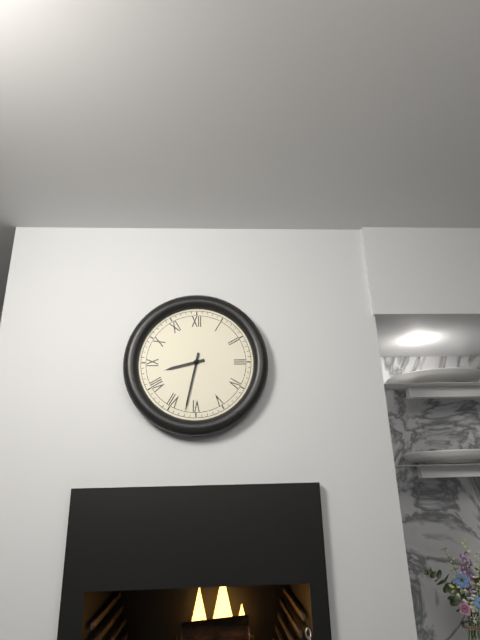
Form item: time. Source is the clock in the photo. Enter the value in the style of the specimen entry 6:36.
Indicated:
8:32
